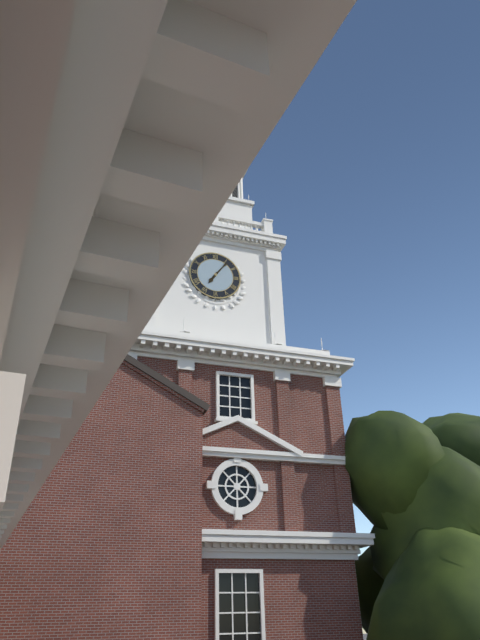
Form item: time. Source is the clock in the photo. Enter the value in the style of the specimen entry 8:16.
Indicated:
7:06
